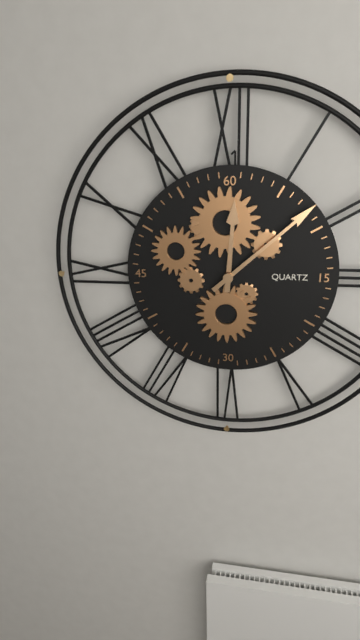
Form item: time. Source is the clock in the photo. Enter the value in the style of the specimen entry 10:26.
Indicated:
12:08
